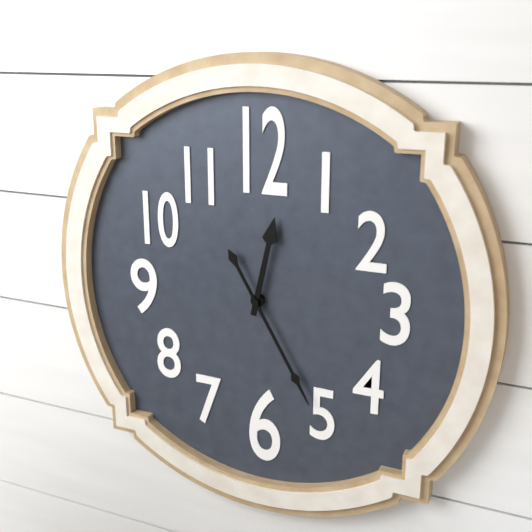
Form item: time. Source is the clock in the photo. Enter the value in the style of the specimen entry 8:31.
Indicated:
12:25
